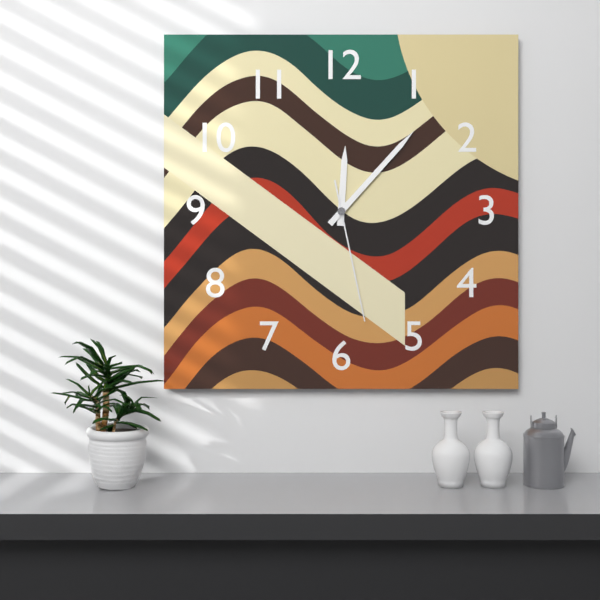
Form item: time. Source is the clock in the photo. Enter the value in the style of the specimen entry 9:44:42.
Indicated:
12:07:28
